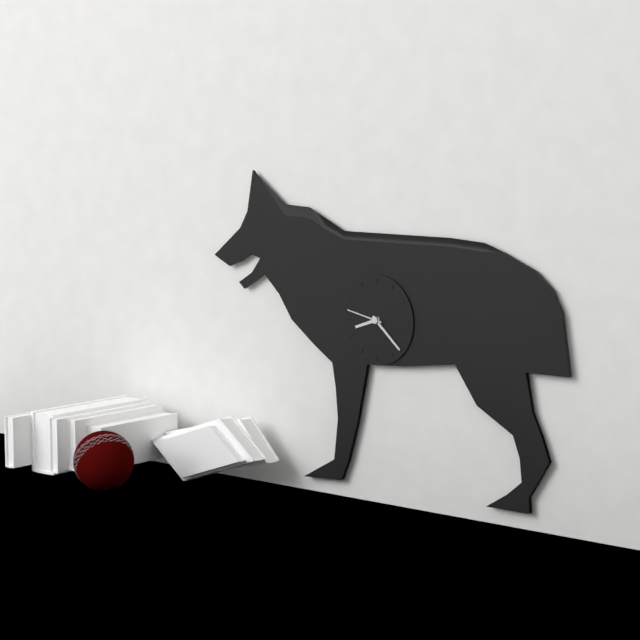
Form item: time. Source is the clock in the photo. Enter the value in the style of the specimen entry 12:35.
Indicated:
8:22
